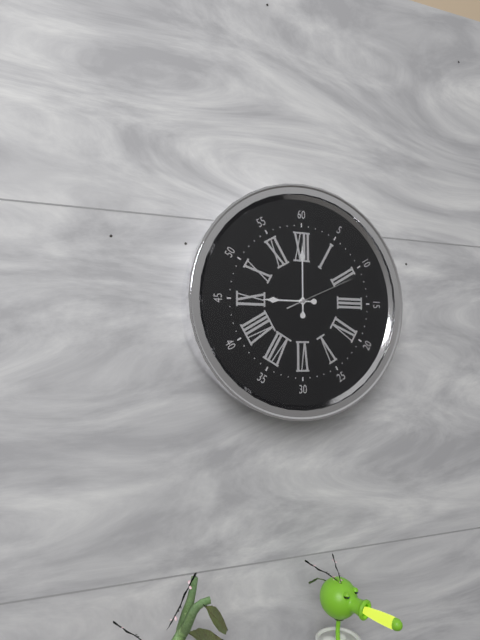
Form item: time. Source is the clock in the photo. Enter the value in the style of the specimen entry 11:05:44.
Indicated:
9:00:11
